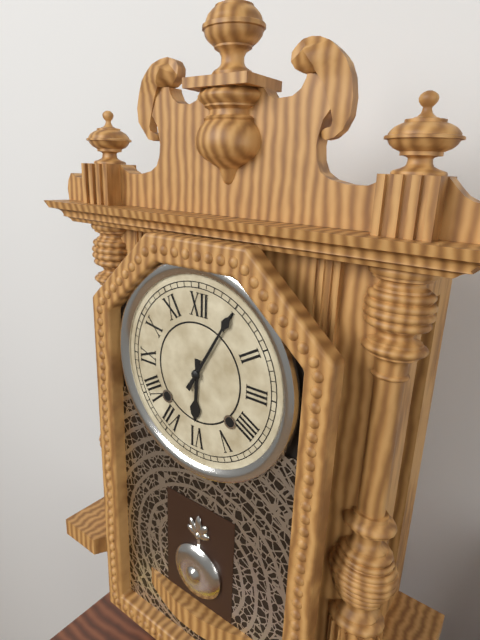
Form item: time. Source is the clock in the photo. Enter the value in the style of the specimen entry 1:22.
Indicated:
6:05
